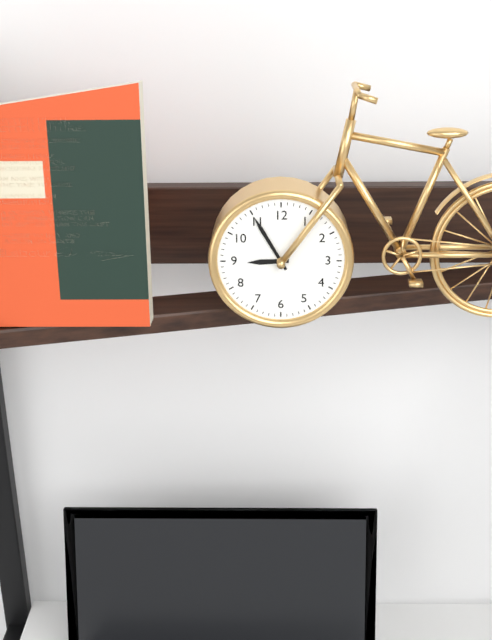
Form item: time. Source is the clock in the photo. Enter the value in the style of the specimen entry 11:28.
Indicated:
8:55
